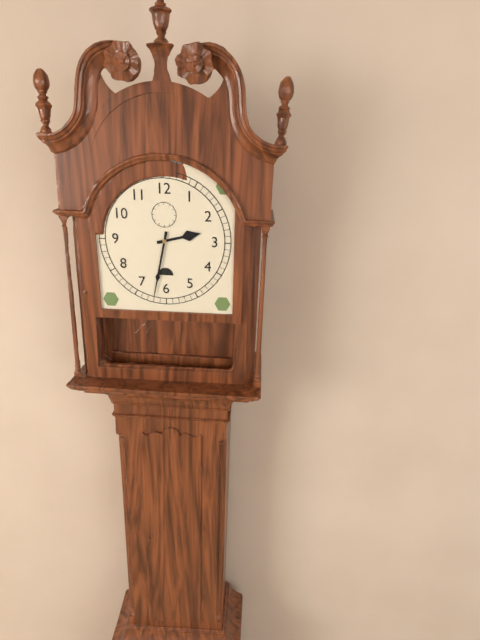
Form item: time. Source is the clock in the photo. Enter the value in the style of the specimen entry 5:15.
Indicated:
2:32
